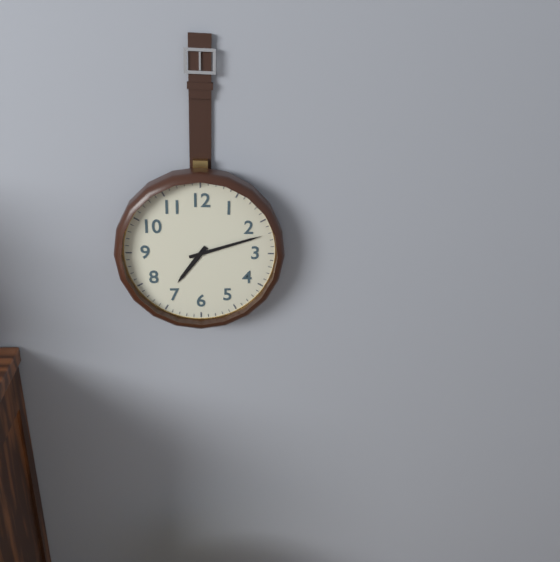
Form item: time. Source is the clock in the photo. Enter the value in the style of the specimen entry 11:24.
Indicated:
7:12
